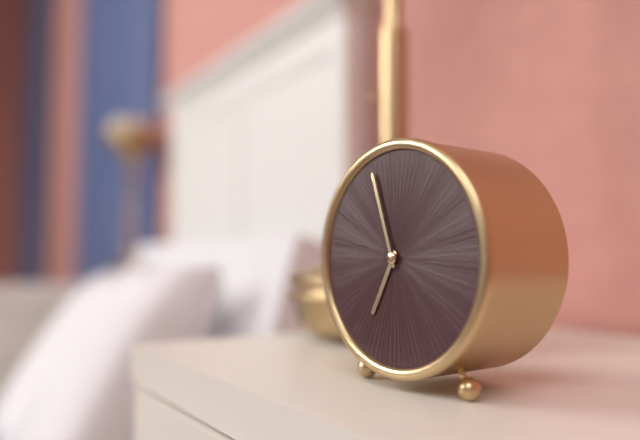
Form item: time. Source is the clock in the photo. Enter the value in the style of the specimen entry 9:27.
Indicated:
6:57
